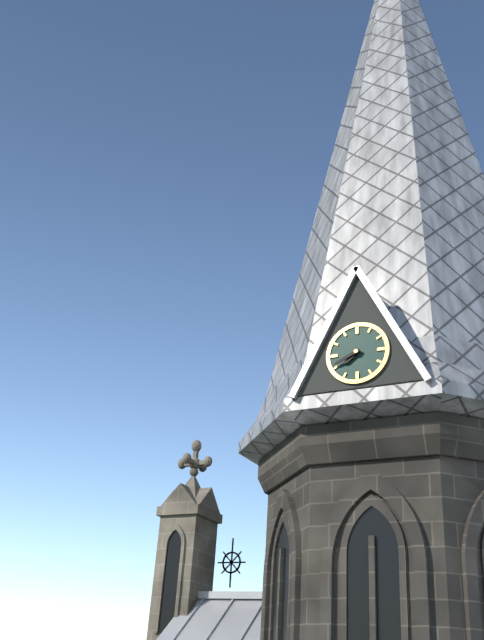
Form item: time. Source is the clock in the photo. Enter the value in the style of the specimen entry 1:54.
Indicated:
7:41
